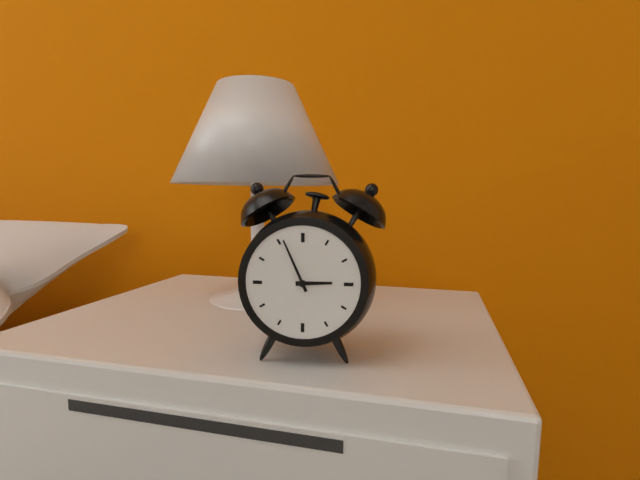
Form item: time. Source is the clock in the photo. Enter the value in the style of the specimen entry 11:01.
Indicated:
2:56
